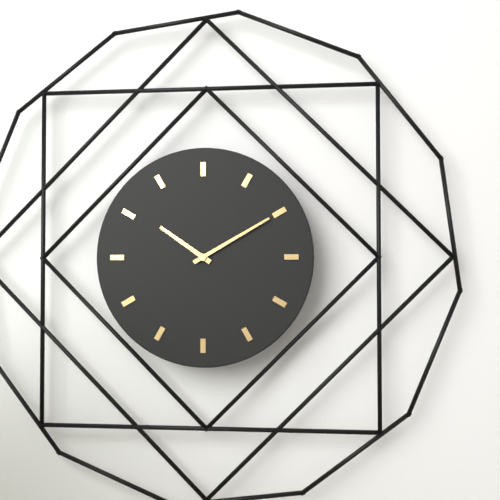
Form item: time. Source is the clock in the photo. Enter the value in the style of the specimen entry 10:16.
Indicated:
10:10
